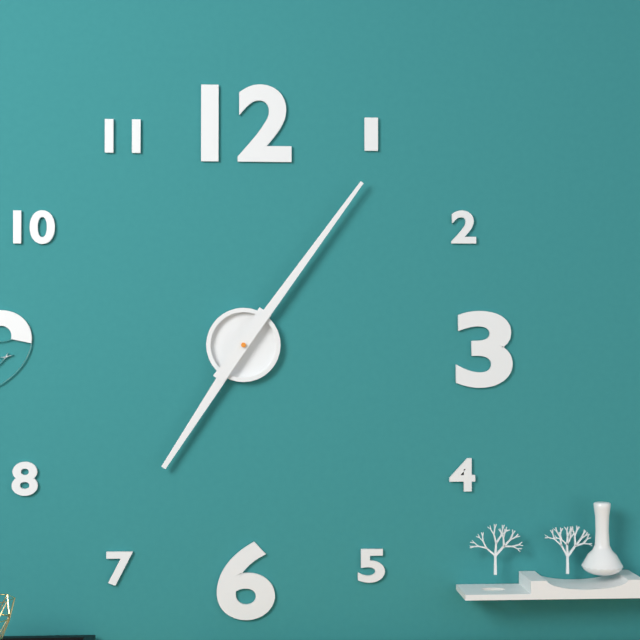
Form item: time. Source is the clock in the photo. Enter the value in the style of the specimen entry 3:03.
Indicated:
7:06
